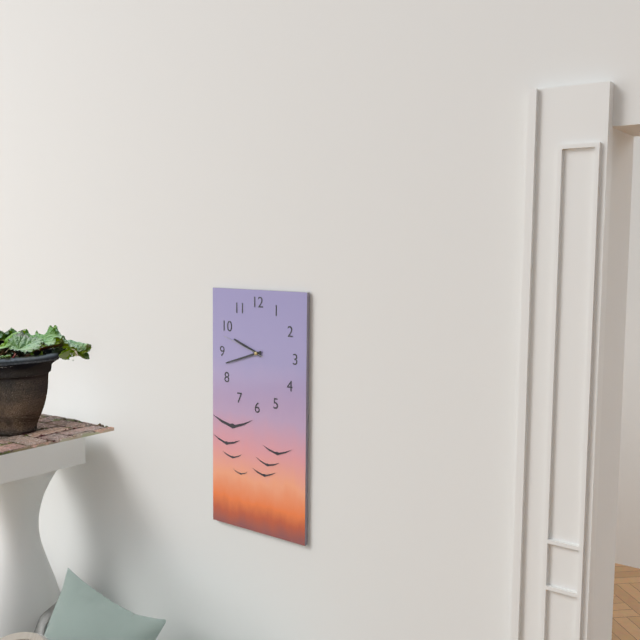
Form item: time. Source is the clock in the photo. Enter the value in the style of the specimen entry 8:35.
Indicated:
9:42
